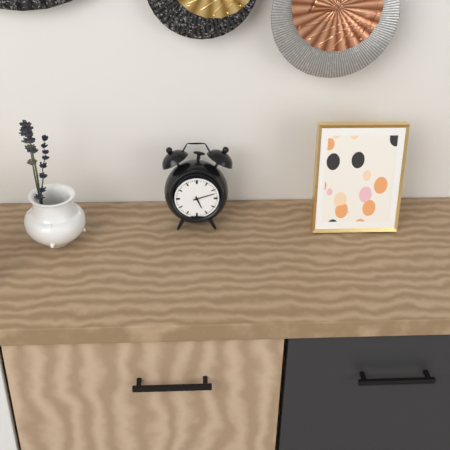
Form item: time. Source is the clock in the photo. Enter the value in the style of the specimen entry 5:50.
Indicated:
5:12
